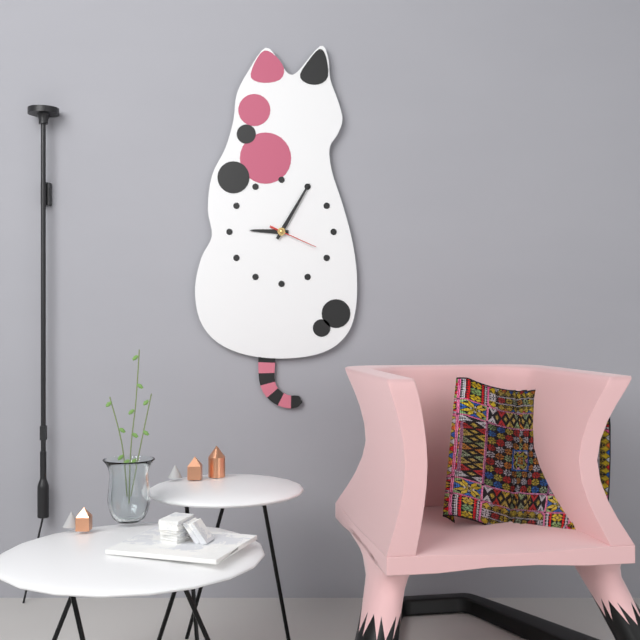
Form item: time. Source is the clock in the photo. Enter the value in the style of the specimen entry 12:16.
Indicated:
9:05
